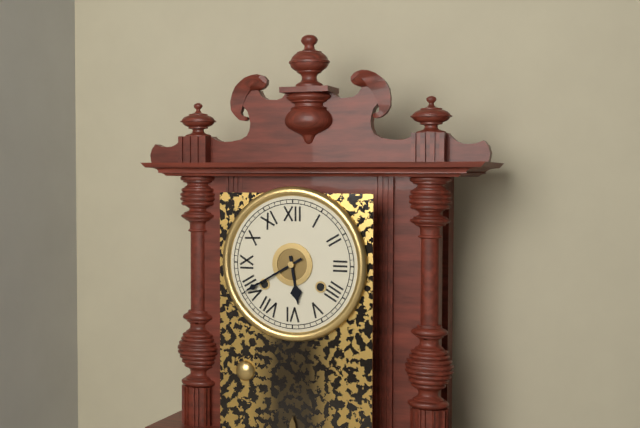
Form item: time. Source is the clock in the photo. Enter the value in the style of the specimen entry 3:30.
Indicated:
5:40
